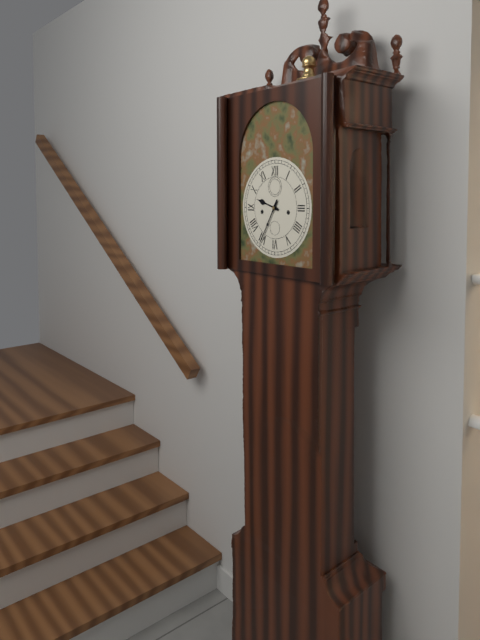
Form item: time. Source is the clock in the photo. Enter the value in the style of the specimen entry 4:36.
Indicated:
9:35
